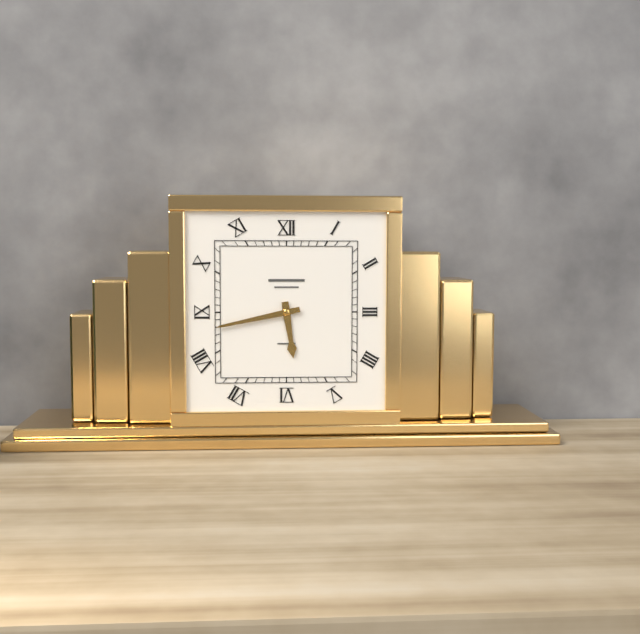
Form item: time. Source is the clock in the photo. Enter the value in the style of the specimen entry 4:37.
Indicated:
5:43
